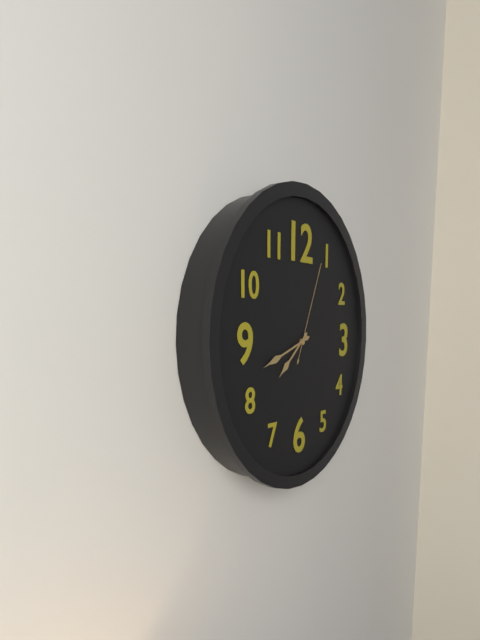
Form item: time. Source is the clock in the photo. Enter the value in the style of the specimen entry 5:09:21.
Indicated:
7:42:04
